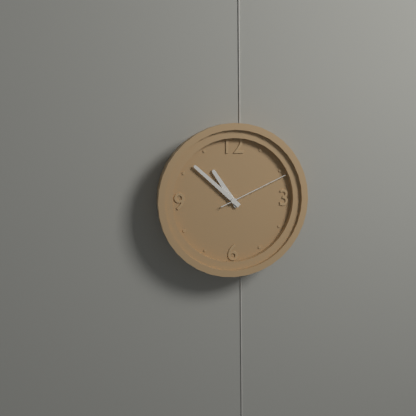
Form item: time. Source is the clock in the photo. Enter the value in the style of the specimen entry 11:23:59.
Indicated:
10:52:11
